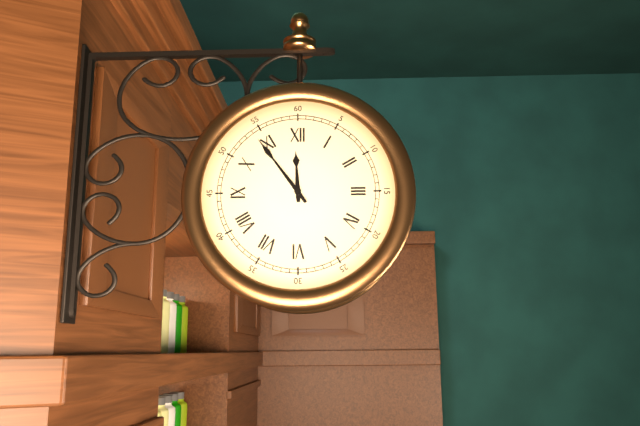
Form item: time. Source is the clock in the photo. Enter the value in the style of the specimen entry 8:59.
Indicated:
11:54
